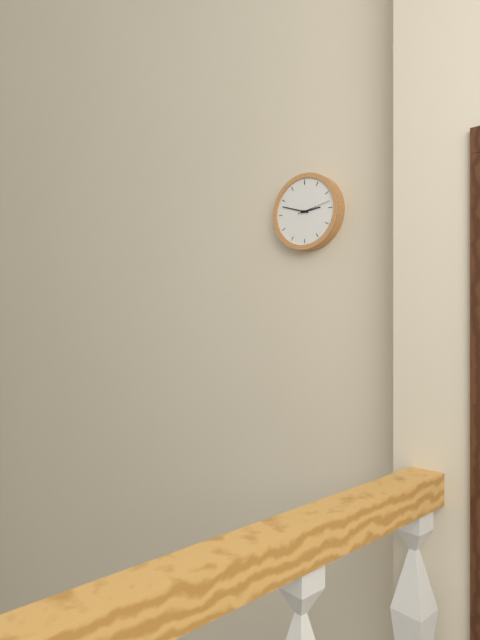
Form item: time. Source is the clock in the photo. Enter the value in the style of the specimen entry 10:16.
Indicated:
2:48
